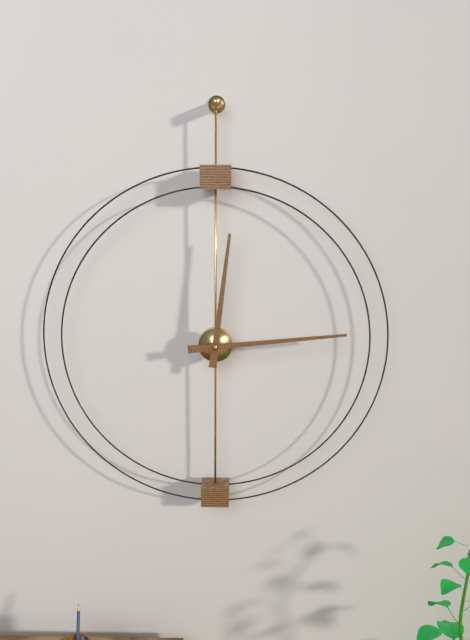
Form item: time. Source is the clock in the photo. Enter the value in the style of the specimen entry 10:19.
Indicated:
12:14
